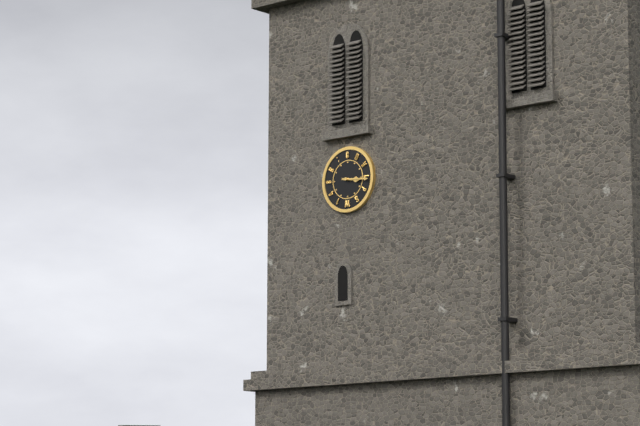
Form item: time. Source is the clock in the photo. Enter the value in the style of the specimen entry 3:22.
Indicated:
3:16
